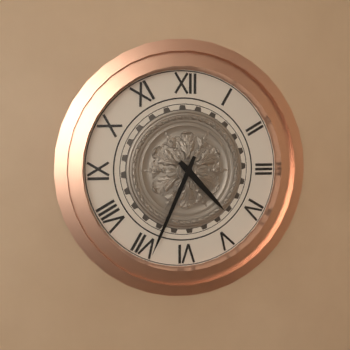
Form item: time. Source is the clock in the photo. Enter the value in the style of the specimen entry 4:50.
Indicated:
4:34
